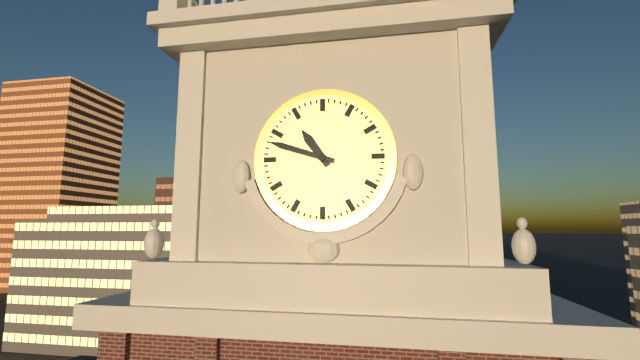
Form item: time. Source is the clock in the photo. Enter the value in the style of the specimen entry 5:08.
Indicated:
10:48
